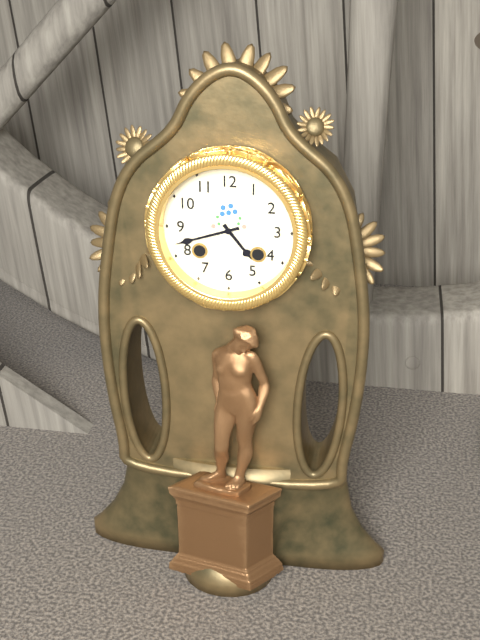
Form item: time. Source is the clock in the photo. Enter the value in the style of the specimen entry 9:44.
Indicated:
4:42
